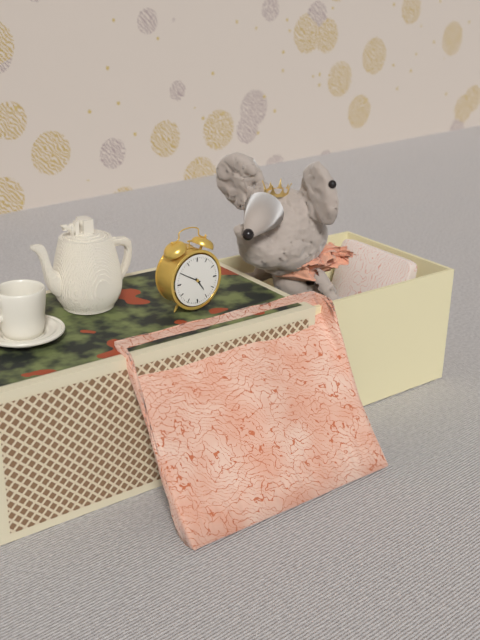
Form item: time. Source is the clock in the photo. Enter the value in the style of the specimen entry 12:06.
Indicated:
4:50
